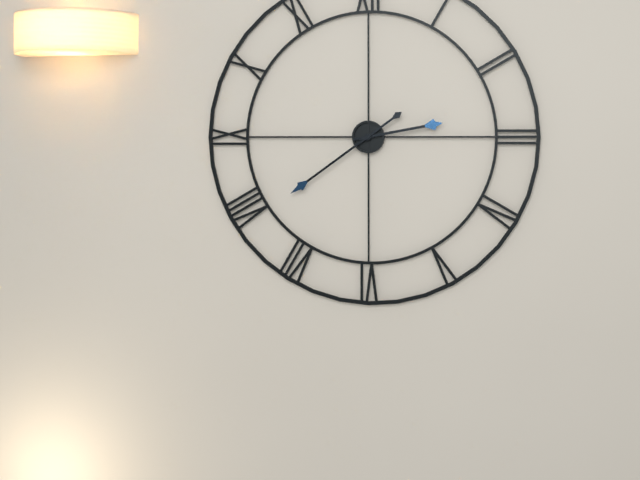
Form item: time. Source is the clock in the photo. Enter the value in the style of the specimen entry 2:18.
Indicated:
2:39
